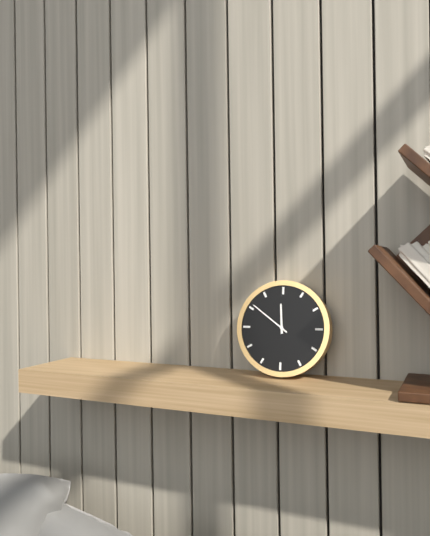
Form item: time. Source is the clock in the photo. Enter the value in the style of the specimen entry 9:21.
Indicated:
11:51
